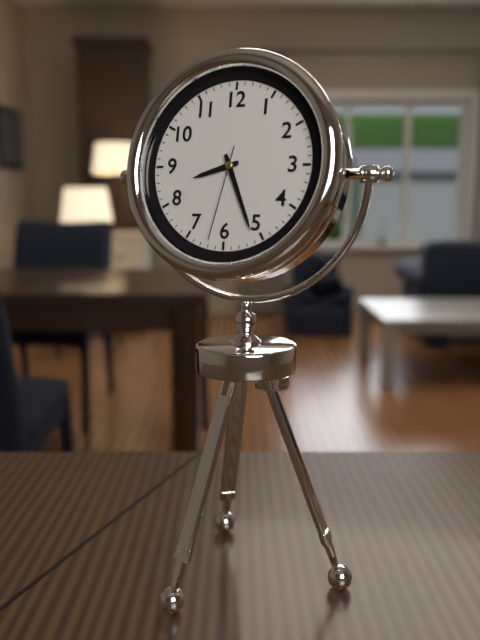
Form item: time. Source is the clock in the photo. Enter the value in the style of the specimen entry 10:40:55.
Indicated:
8:26:32
